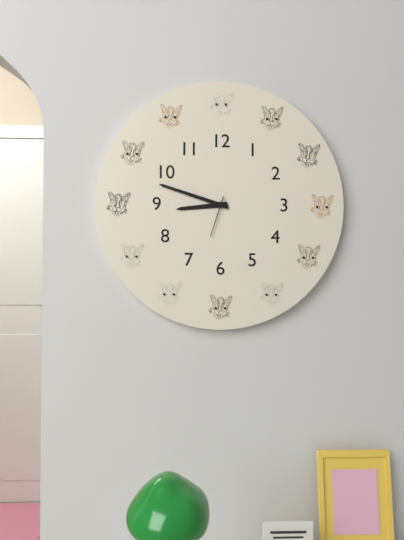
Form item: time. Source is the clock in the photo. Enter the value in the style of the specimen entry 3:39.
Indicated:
8:48
